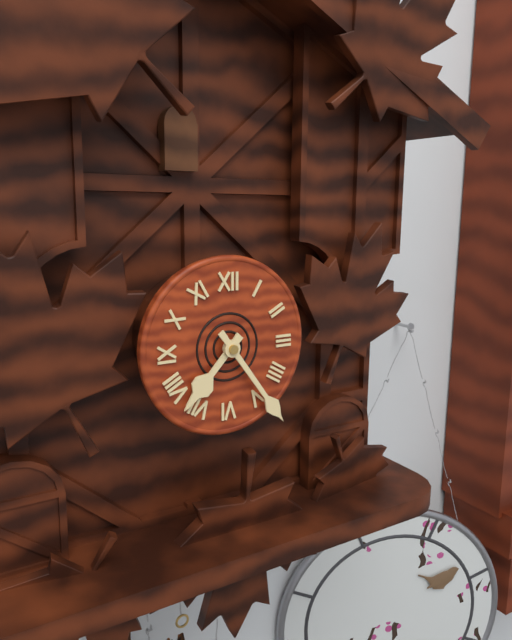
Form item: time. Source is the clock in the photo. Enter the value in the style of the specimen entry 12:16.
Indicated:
7:24
